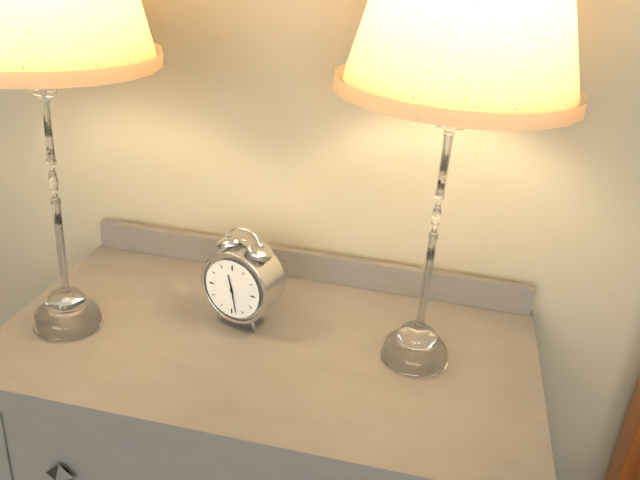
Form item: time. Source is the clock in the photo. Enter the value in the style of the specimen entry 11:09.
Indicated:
11:28
